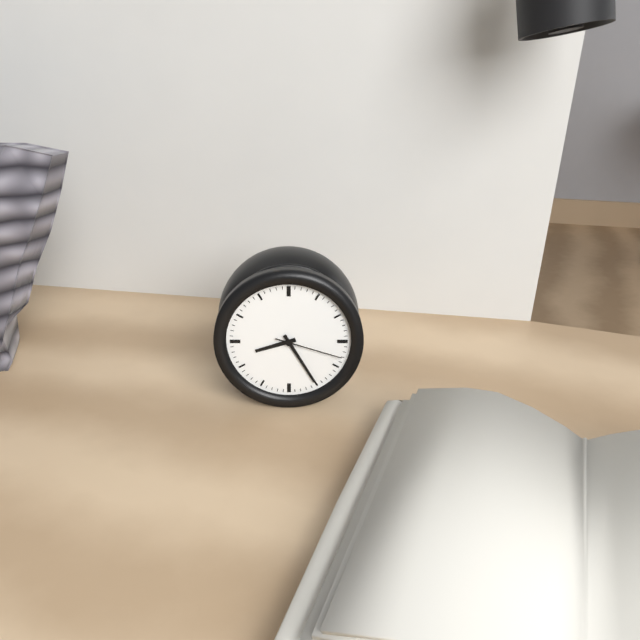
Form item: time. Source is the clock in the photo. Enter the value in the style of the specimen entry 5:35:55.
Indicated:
8:25:18
